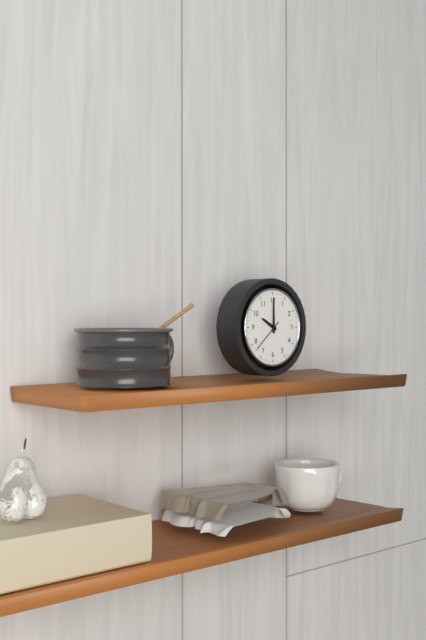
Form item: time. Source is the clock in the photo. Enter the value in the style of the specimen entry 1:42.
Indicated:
10:00
